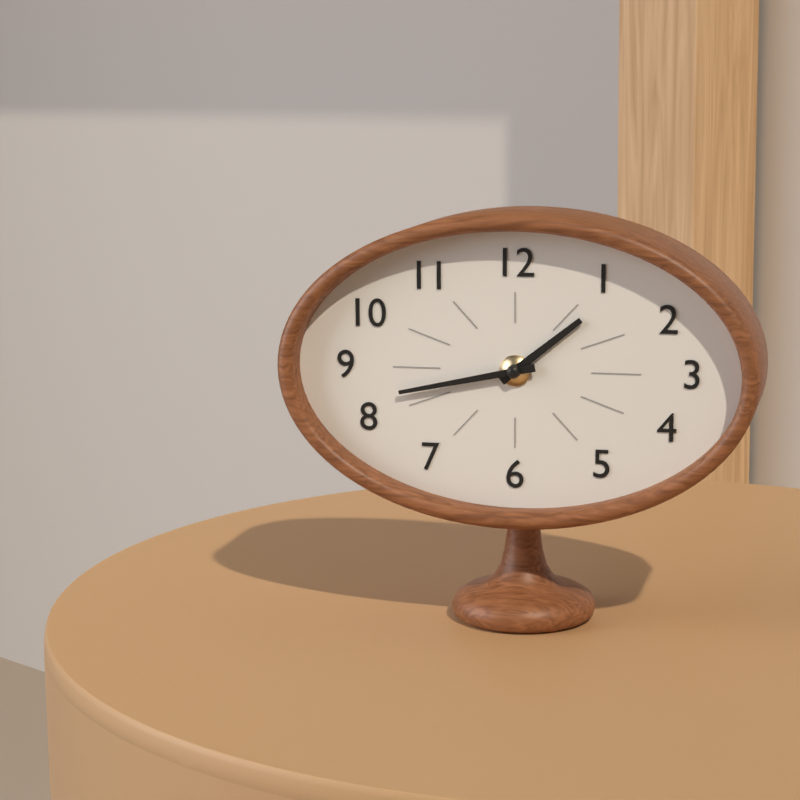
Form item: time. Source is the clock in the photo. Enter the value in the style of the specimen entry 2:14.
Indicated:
1:43
